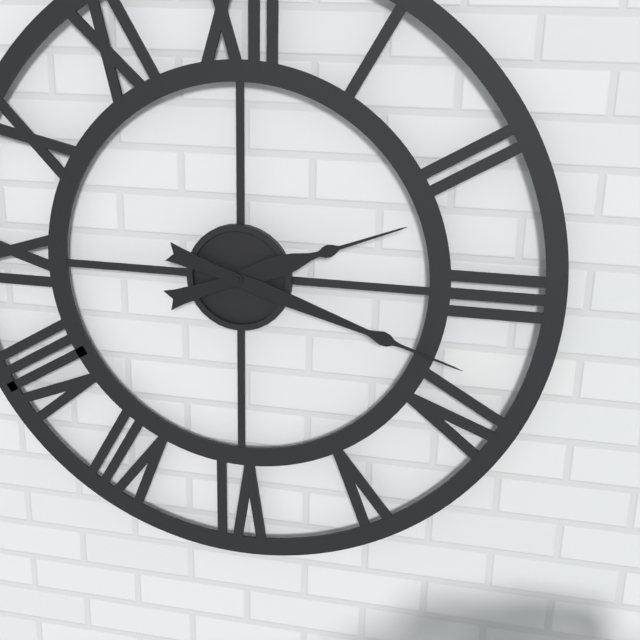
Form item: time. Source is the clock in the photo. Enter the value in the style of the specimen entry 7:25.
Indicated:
2:18
